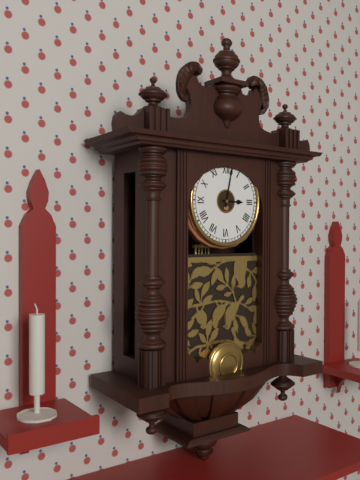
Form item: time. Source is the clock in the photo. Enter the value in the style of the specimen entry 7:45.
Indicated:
3:02
